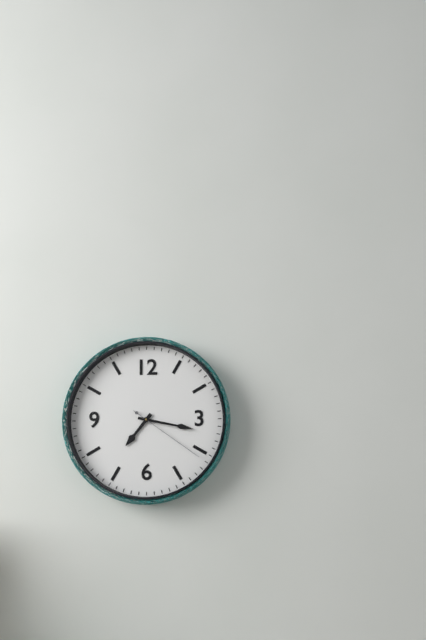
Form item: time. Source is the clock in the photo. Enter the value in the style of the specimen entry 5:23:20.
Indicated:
7:17:21
